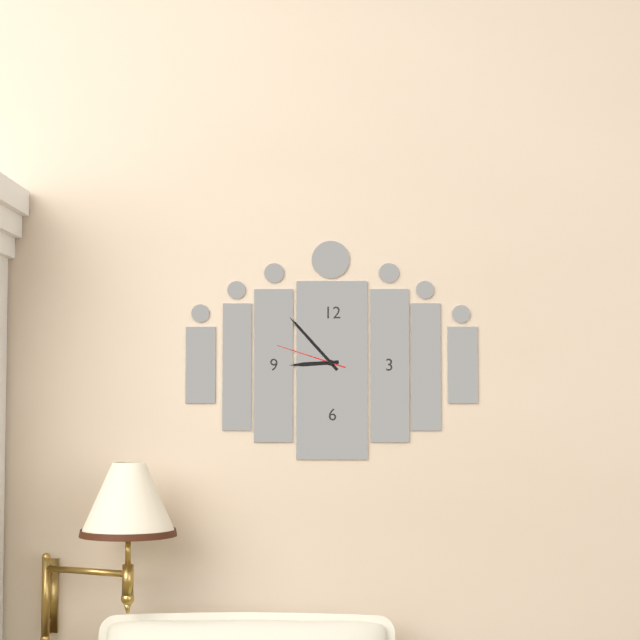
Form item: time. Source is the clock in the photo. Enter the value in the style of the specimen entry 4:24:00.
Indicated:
8:53:48
